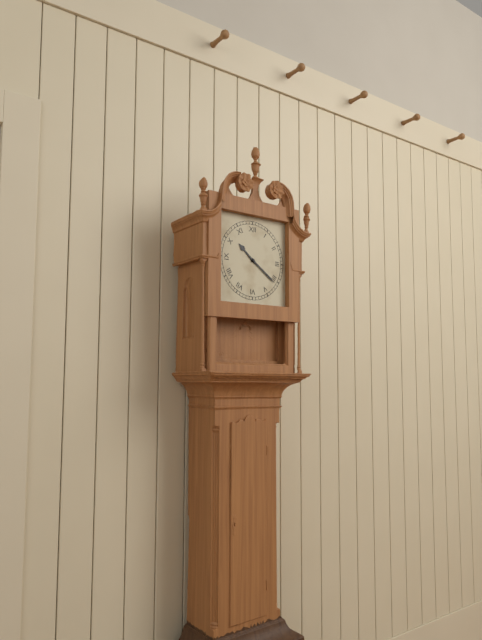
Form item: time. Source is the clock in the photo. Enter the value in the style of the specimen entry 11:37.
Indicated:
10:21
